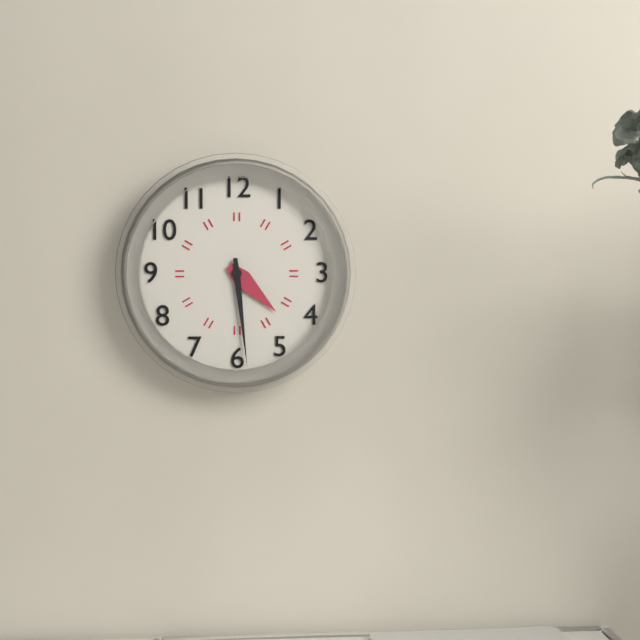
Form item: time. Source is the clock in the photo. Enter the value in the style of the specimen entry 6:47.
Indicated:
4:29
